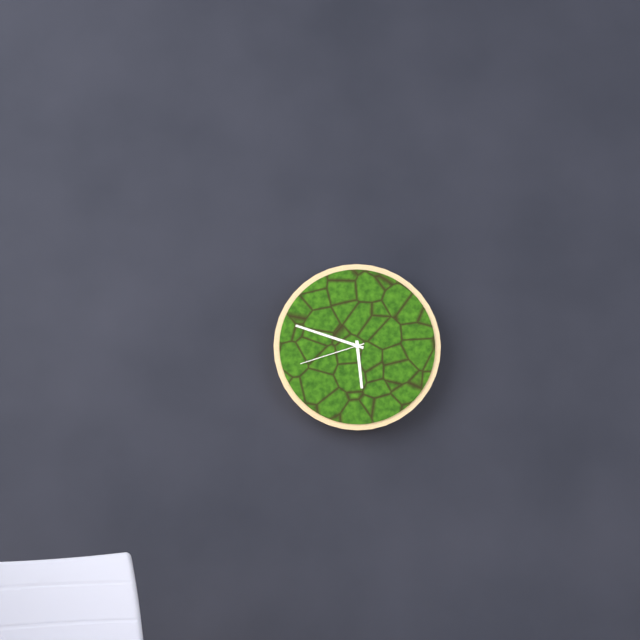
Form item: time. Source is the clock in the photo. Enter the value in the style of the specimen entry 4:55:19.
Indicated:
5:48:42
